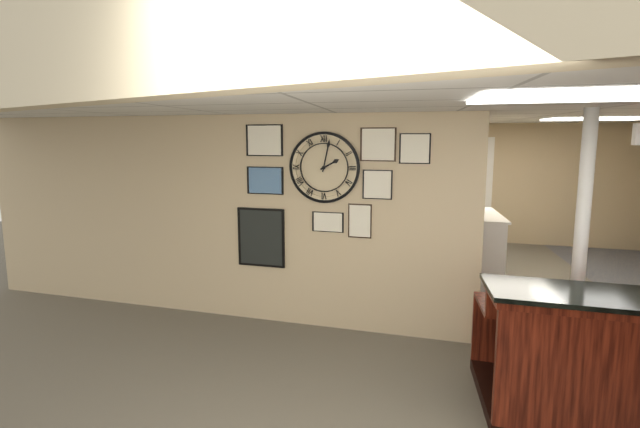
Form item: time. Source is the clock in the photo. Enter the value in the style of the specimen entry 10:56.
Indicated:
2:02
